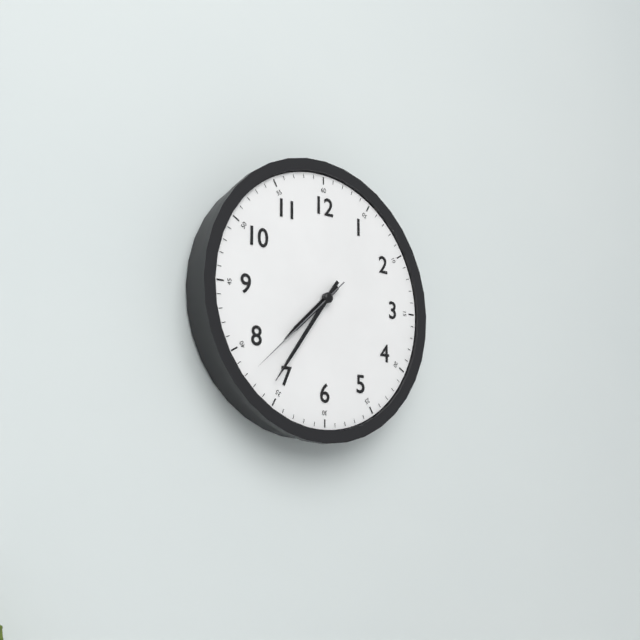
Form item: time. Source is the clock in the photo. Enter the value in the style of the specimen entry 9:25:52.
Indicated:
7:36:38
